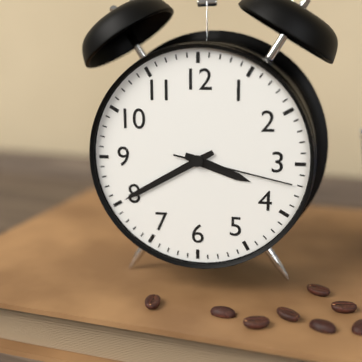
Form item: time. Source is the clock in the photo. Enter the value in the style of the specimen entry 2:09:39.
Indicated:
3:40:17
